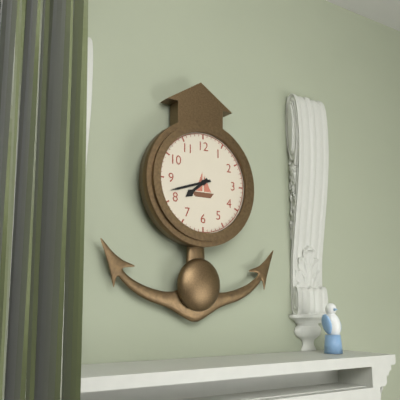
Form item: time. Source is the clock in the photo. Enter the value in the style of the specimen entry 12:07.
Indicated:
7:42
